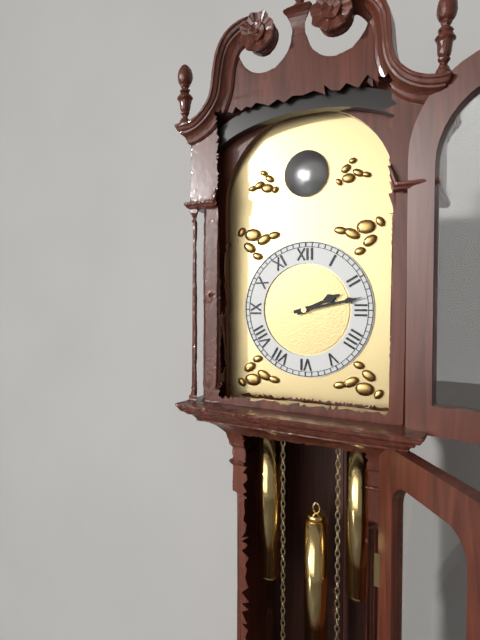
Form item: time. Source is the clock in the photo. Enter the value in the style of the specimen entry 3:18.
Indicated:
2:13
